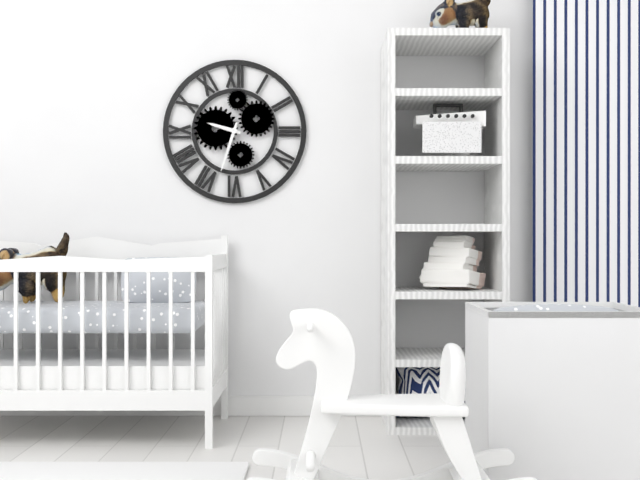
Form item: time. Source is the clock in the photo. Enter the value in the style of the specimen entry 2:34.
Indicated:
9:33
